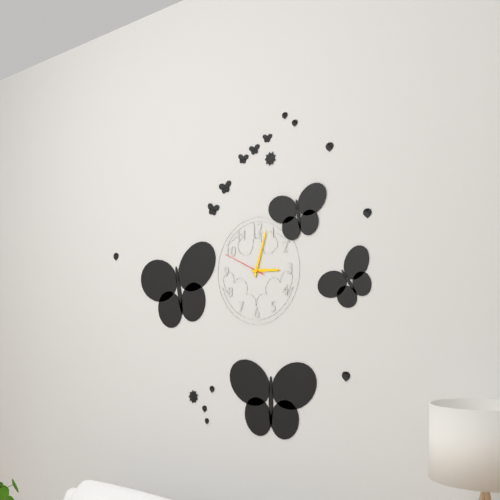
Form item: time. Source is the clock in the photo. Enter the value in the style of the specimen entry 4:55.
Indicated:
3:03
